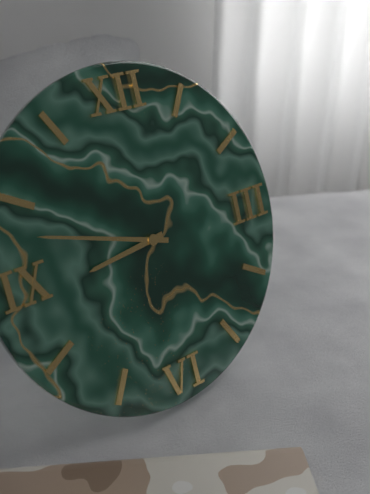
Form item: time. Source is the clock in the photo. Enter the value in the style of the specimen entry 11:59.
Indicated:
8:48
